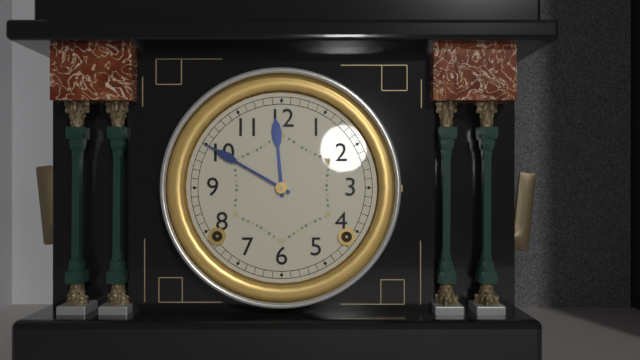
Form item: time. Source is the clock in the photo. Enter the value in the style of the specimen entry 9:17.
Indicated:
11:50
